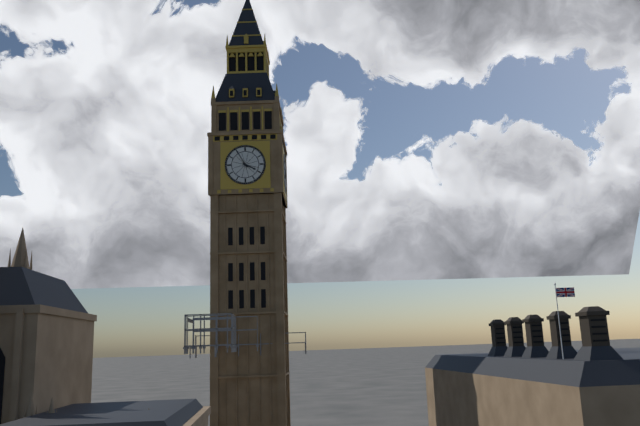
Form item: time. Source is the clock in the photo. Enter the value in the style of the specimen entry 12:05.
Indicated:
3:55
